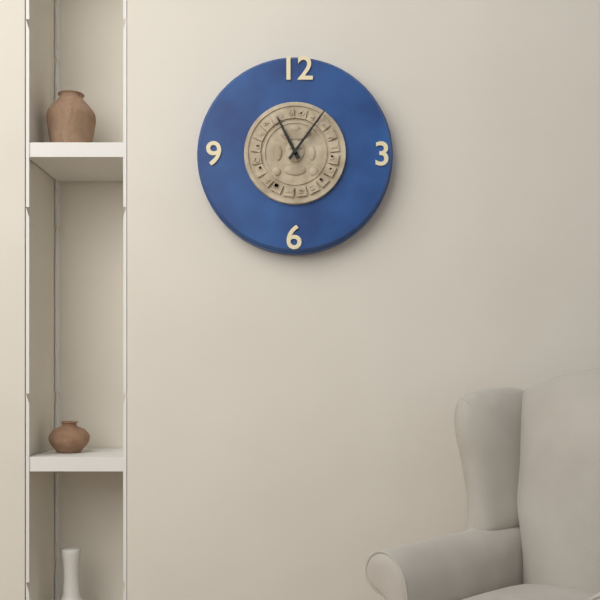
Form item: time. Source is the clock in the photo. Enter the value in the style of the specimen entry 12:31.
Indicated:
11:06
